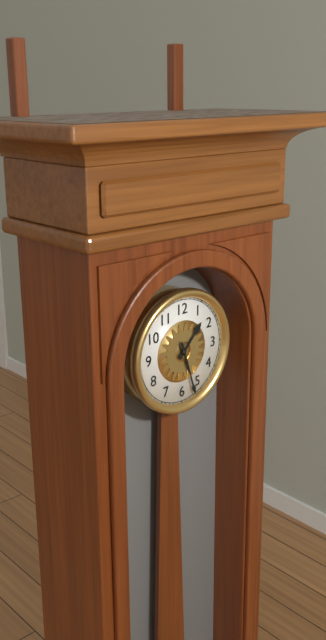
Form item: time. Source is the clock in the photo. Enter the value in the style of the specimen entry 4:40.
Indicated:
1:27
